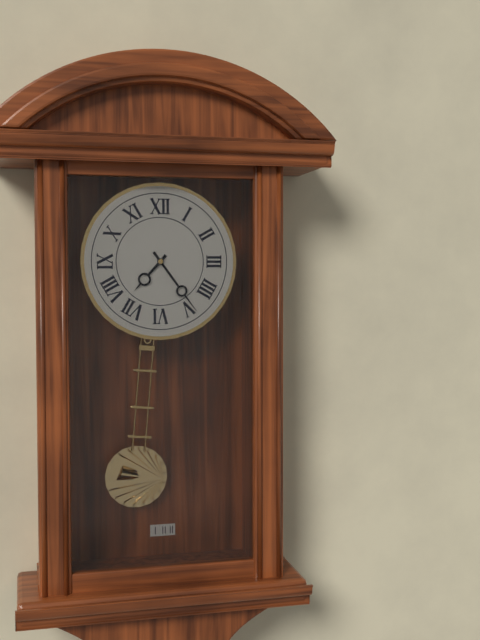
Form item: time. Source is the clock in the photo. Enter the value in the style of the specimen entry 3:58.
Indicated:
7:24
